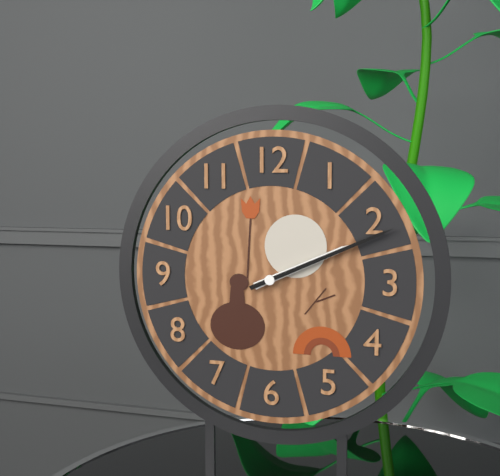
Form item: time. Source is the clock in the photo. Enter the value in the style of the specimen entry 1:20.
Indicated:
2:11
